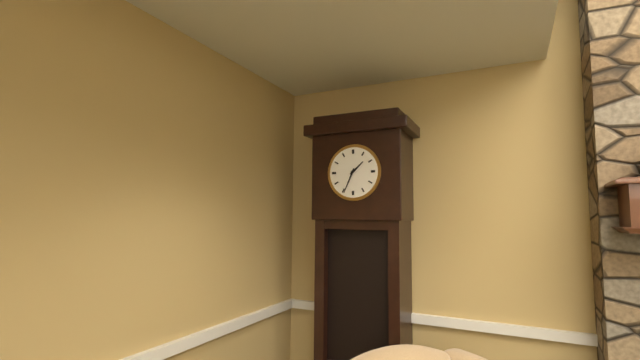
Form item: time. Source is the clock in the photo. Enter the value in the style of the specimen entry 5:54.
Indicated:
1:34
